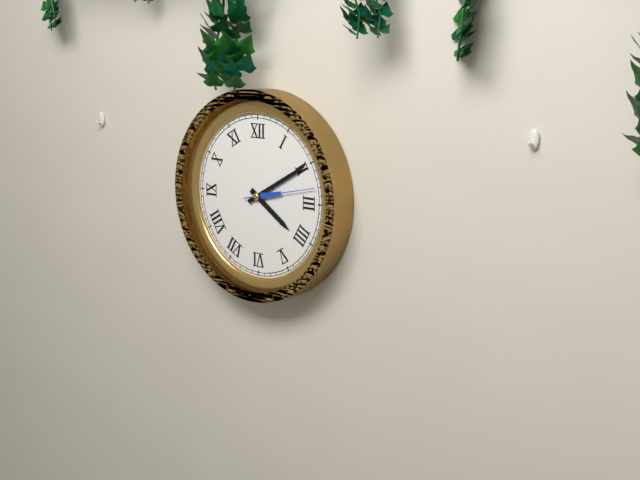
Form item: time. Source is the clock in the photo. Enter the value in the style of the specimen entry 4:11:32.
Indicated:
4:10:13
